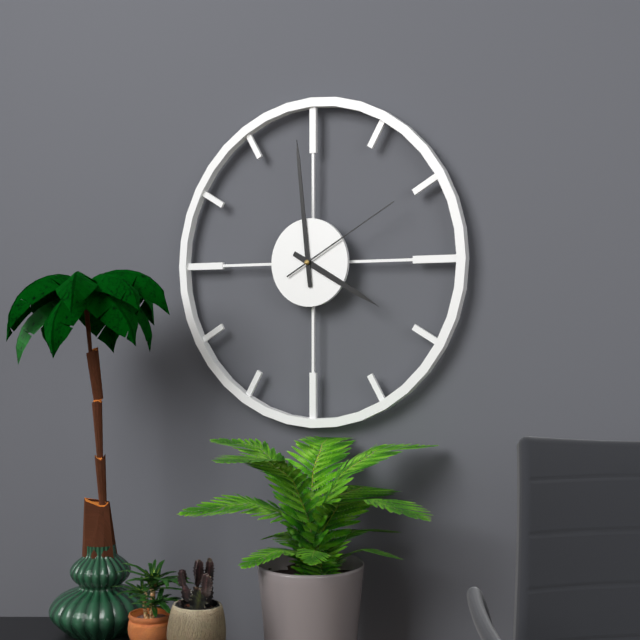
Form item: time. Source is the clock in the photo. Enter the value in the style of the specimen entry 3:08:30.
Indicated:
3:59:10
